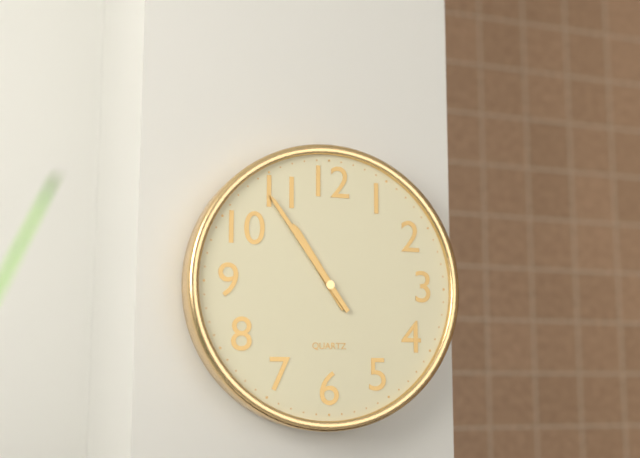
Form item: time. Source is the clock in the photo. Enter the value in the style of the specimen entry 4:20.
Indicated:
10:54
